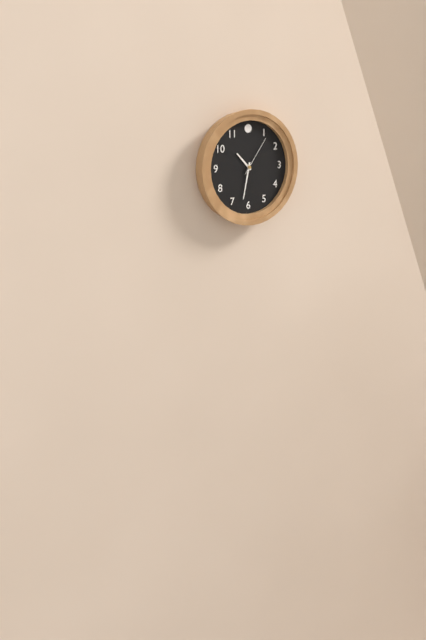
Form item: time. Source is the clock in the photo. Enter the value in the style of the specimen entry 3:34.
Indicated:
10:32
